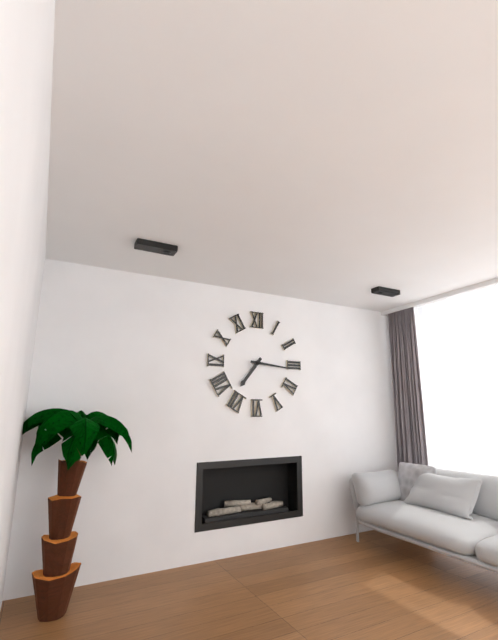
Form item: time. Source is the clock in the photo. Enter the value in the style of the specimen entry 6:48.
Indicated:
7:16
